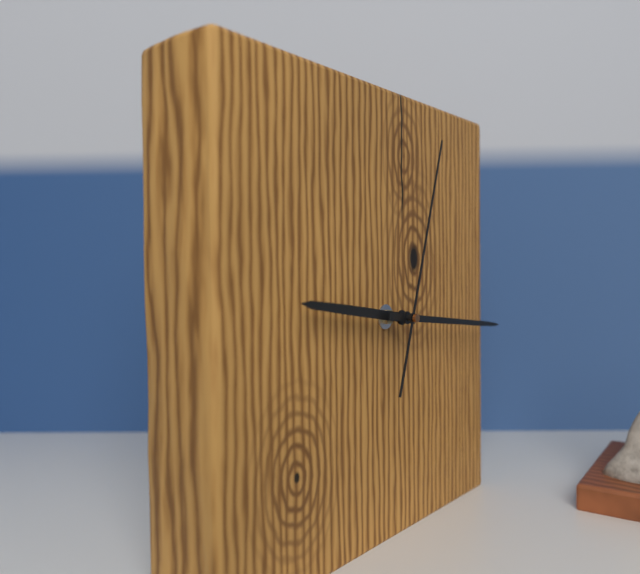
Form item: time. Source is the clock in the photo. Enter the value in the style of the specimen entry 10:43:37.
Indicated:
9:16:03
